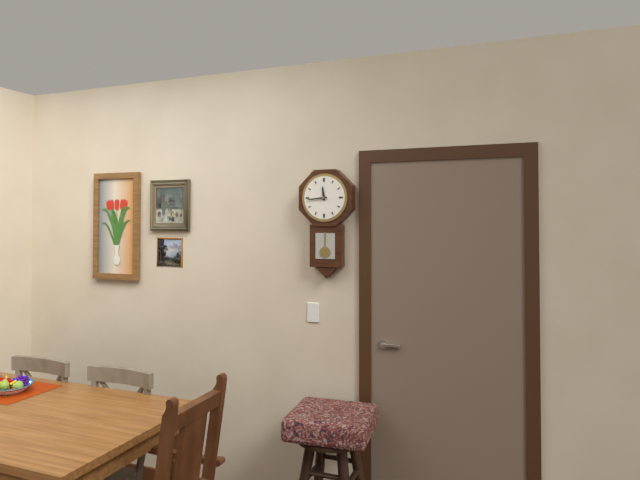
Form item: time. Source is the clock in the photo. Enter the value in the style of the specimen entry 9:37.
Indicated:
11:44
